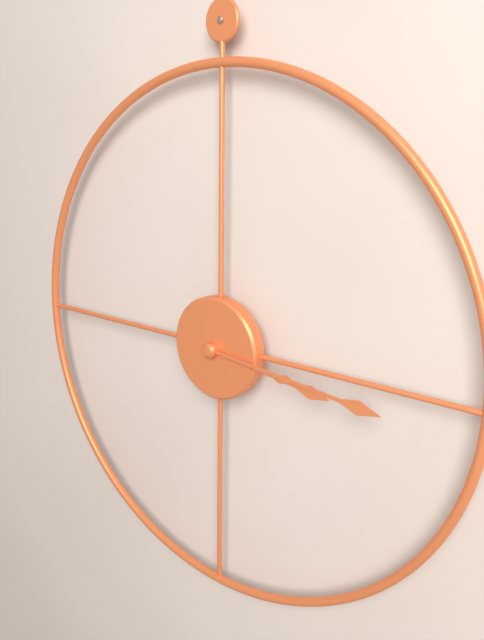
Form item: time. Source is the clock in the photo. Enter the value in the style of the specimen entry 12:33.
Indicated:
3:16
